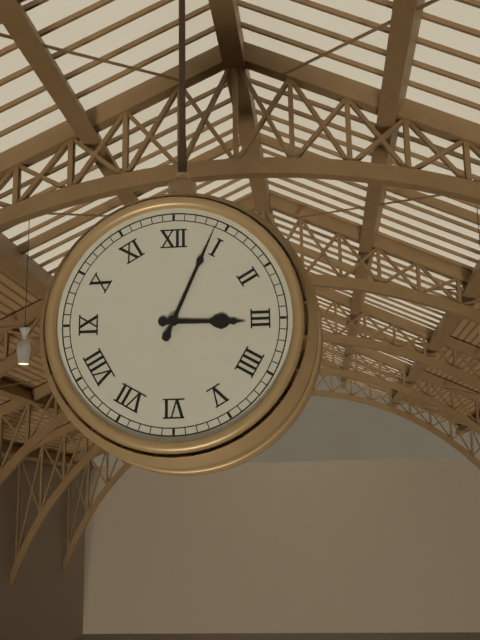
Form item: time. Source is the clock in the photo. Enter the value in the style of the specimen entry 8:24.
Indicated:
3:04
